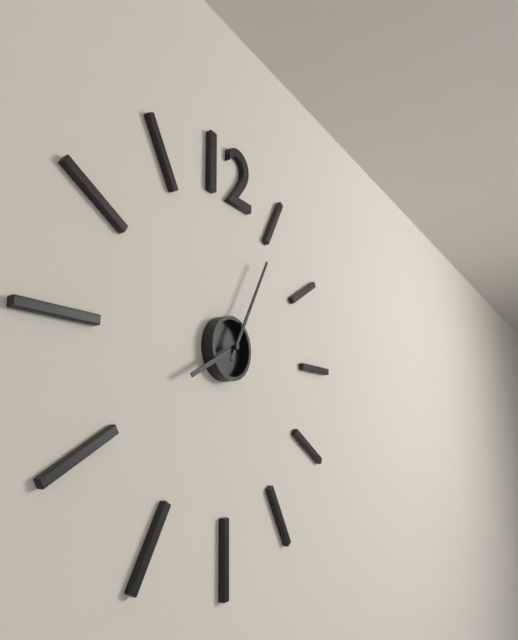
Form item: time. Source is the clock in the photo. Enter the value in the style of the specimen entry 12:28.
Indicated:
8:05
